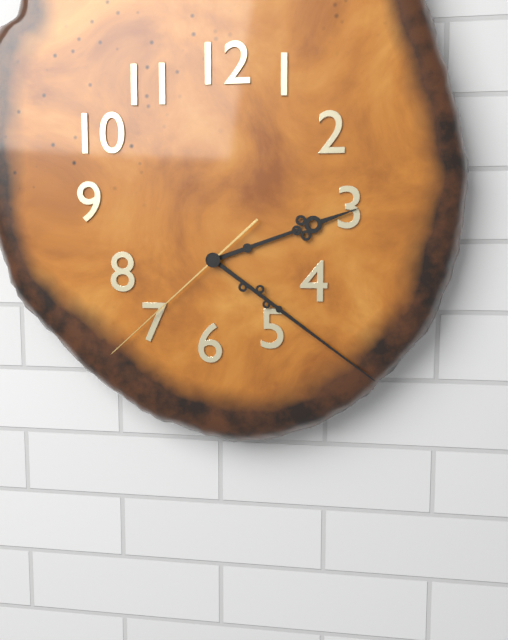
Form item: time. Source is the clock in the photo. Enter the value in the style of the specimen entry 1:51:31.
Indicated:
2:21:38
